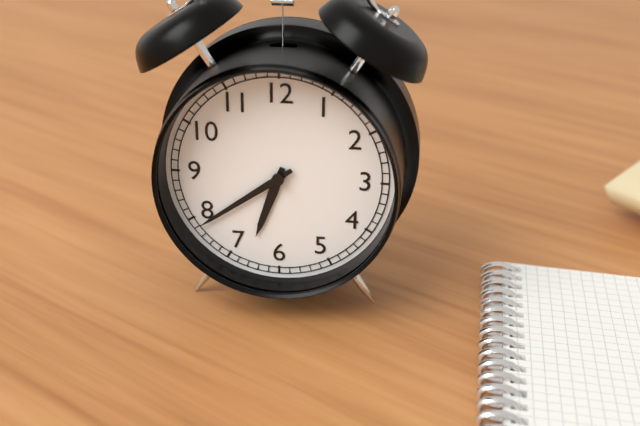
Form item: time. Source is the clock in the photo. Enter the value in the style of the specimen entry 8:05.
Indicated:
6:39
